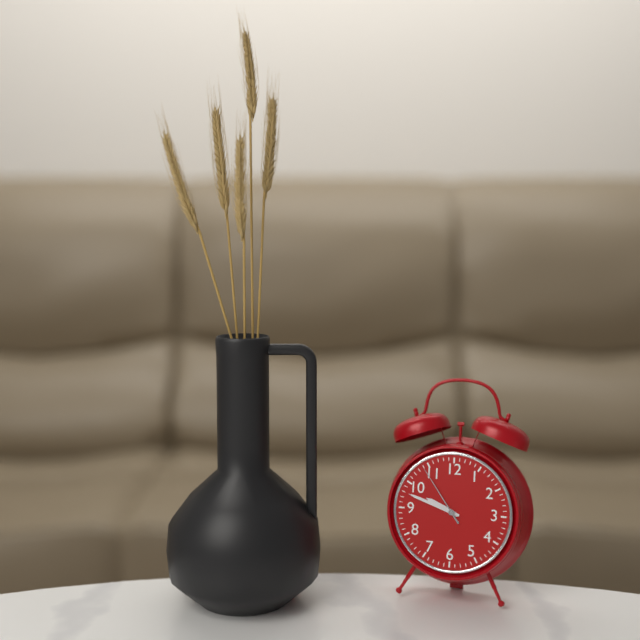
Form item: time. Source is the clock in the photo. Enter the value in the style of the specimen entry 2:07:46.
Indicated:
9:48:54
